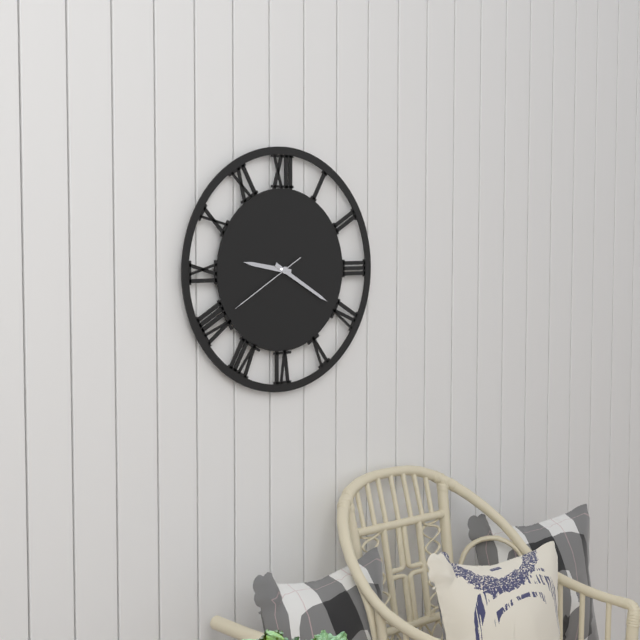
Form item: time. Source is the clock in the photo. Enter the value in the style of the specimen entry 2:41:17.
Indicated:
9:20:40
